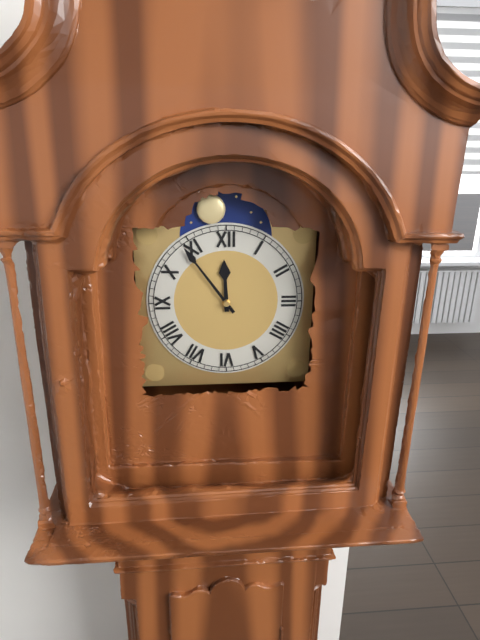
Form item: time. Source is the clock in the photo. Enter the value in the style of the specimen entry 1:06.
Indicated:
11:54
